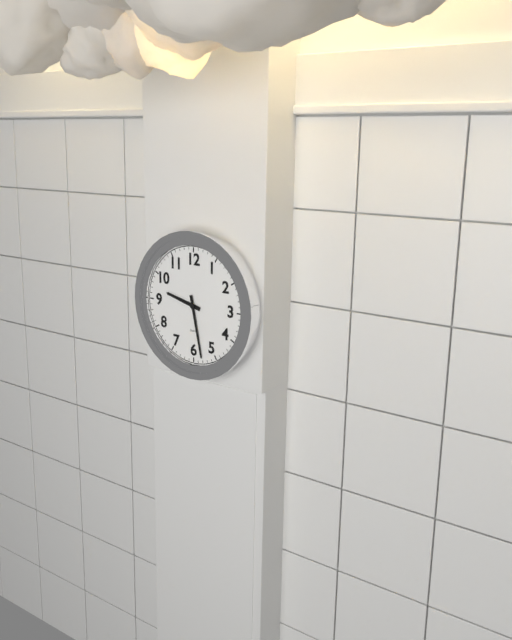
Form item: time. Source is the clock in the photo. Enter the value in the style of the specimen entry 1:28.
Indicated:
9:28
